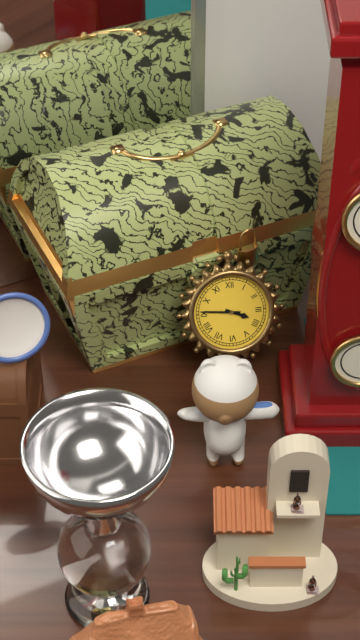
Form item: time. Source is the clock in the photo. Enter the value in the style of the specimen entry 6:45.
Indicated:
3:46
